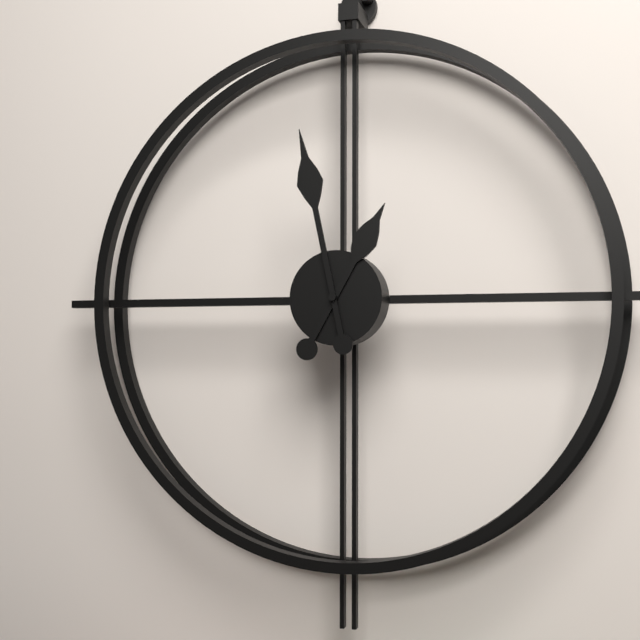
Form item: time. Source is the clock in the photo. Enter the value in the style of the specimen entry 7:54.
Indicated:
12:58
